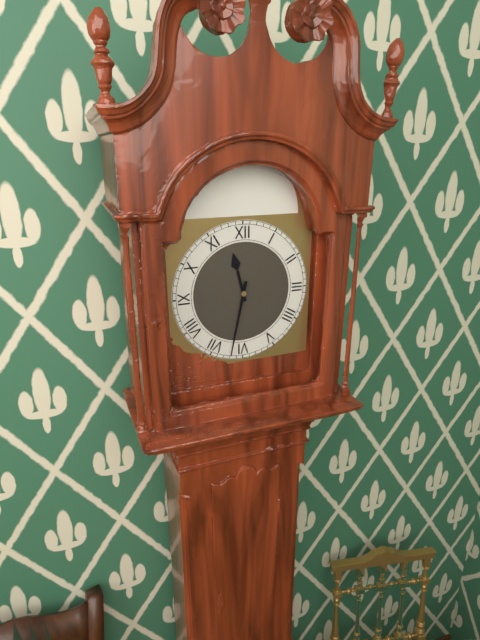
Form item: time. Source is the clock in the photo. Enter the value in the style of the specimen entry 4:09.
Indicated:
11:32
